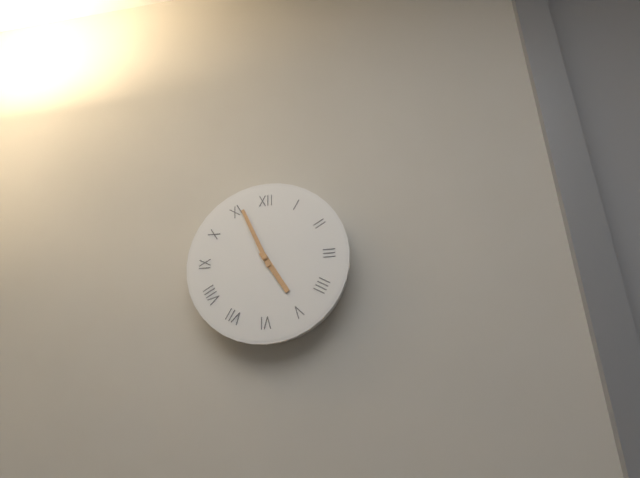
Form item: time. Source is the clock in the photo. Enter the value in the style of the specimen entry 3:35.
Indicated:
4:56
